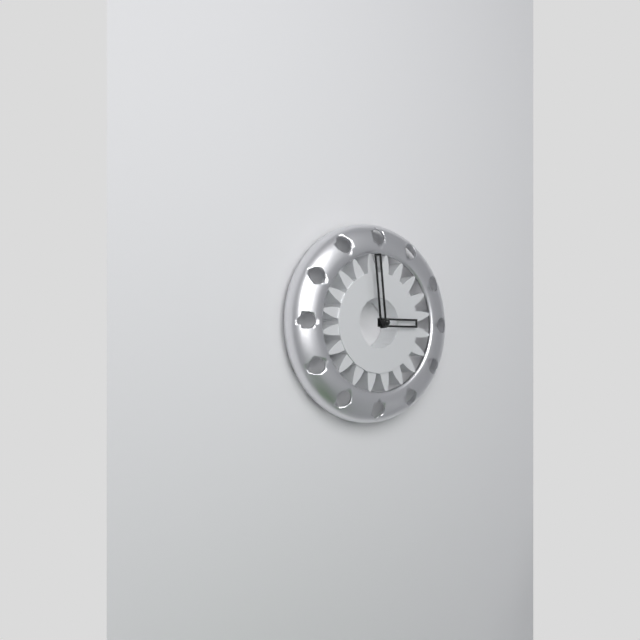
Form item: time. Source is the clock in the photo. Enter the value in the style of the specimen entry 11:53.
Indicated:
2:59
